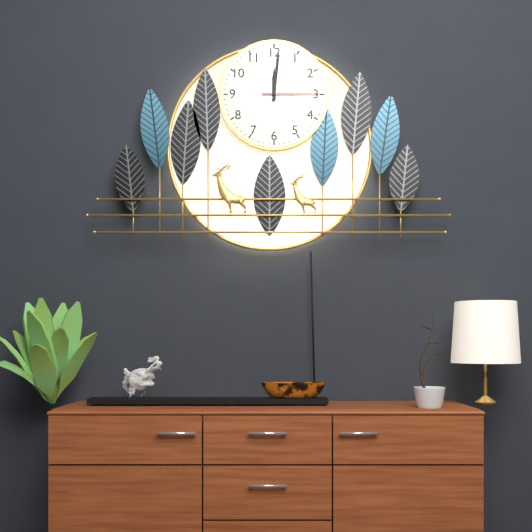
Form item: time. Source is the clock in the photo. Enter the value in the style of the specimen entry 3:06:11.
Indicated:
12:01:15
